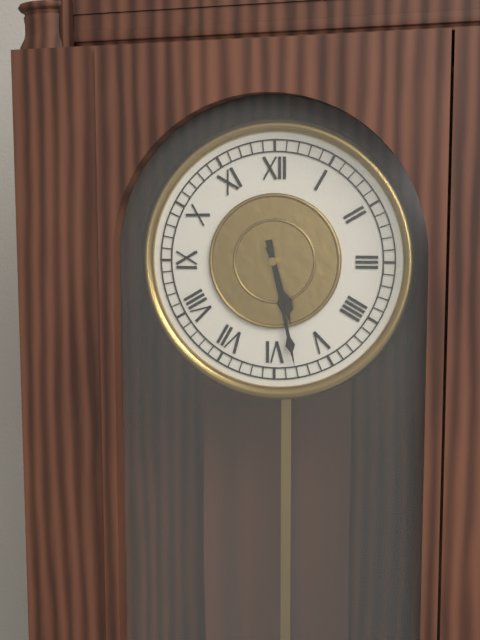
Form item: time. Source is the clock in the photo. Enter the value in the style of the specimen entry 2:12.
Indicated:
5:28
